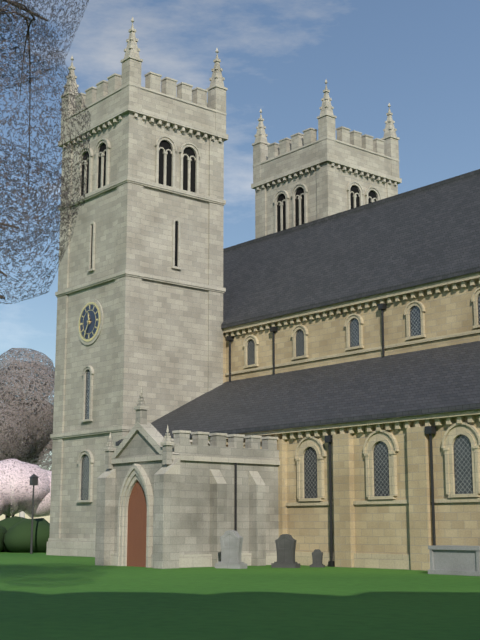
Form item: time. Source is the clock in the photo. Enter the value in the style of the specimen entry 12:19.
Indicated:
11:35
